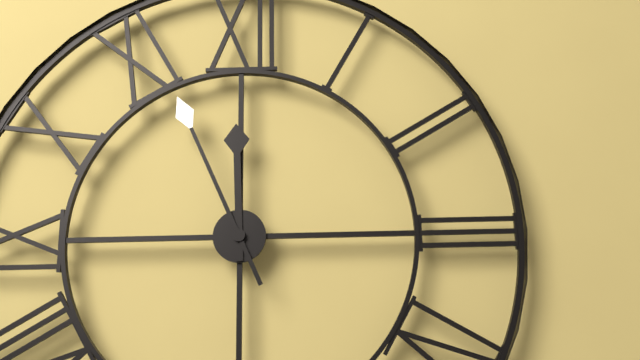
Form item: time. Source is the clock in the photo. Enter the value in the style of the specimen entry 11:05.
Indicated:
11:56
